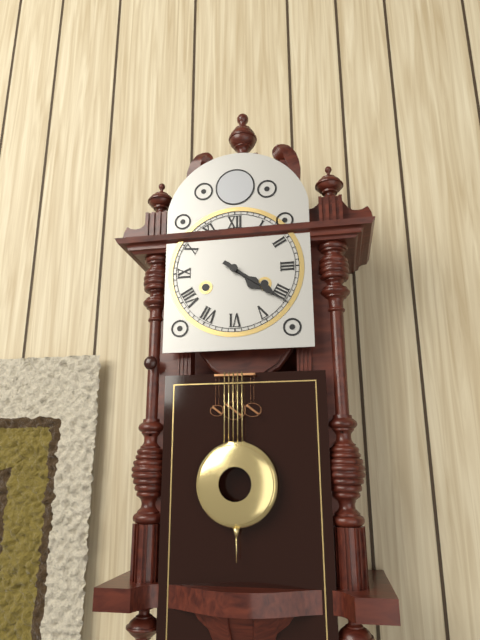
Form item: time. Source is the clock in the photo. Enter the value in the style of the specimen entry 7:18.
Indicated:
4:21
